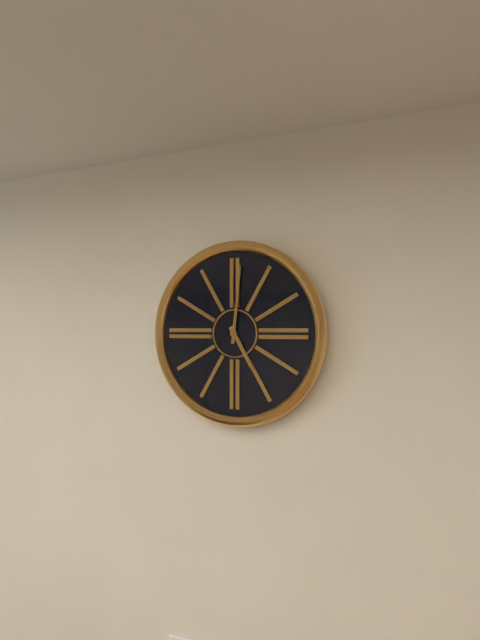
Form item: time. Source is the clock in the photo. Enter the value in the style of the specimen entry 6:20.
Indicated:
5:01
